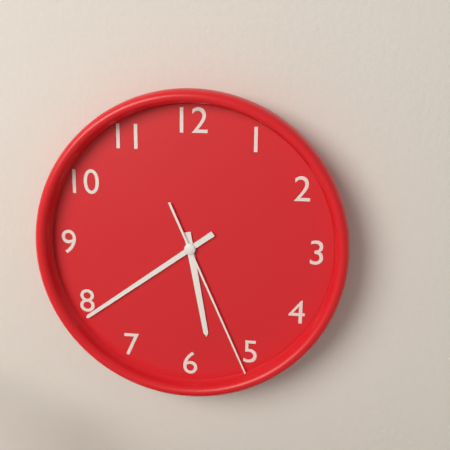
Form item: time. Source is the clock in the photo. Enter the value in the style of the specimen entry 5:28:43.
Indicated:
5:39:26
